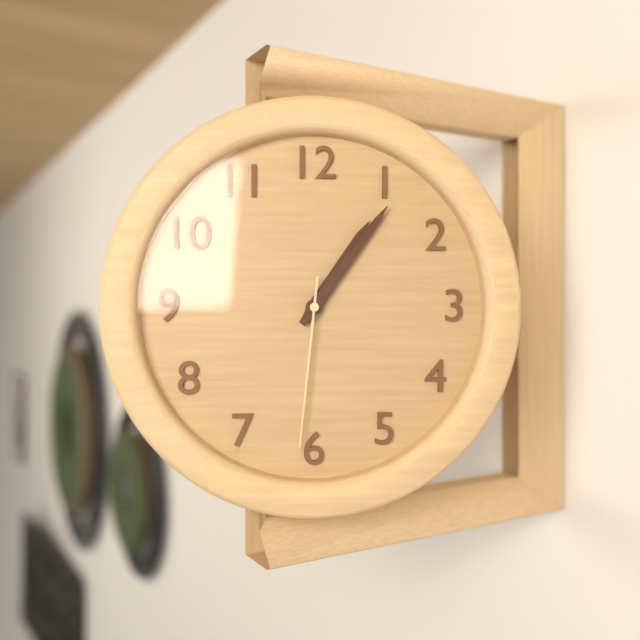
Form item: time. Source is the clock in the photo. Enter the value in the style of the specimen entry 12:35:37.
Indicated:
1:06:31
